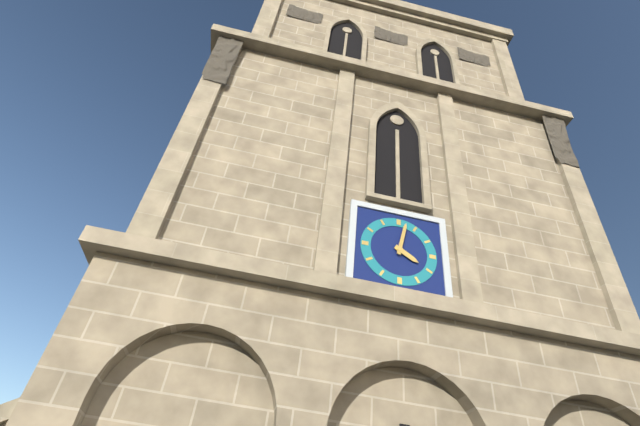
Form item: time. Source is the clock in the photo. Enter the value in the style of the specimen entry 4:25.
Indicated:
4:02
